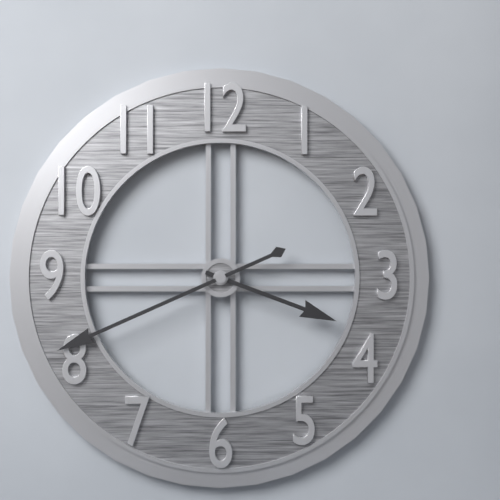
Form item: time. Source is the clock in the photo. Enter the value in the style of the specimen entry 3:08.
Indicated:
3:41
